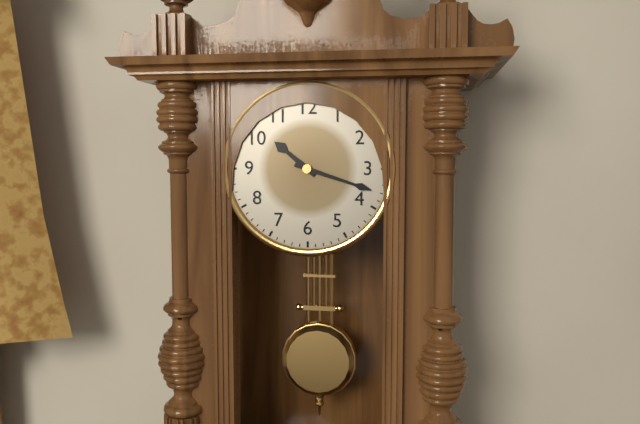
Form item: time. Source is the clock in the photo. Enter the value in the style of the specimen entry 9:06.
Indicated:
10:18
